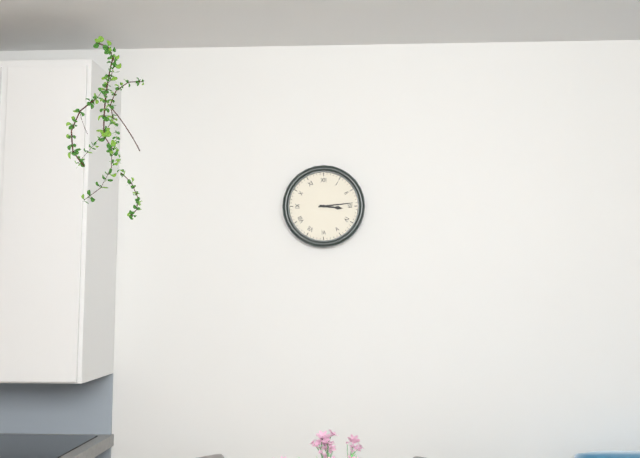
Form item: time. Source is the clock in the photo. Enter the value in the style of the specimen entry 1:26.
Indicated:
3:14
